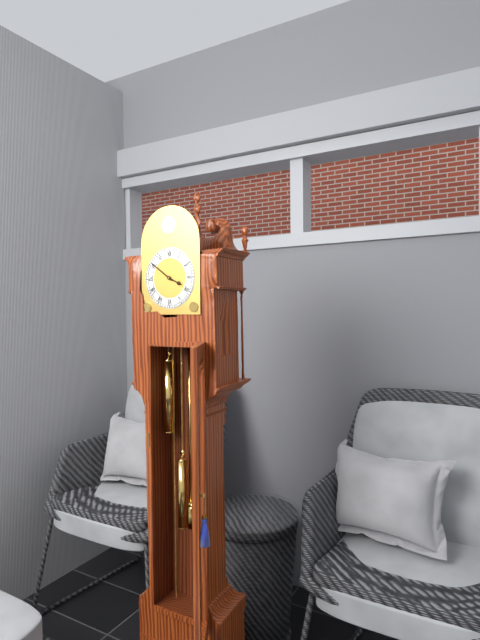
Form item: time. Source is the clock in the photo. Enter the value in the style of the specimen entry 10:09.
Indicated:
3:51
